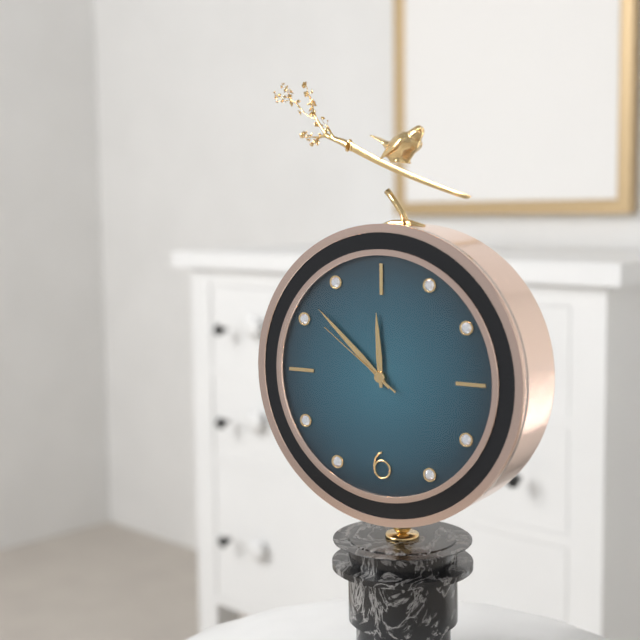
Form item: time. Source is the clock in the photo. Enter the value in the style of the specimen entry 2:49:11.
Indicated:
11:52:51
